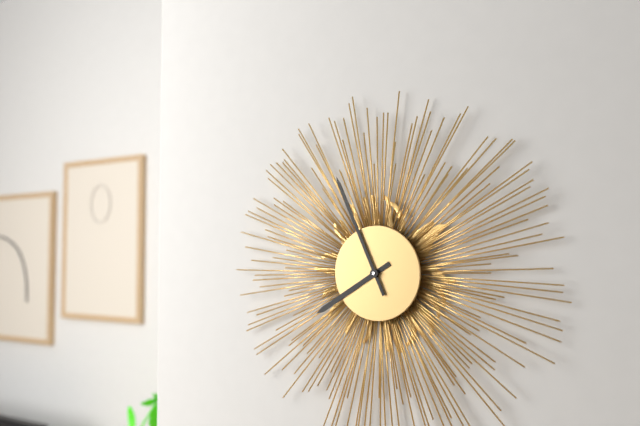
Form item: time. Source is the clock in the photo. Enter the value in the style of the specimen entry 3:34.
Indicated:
7:56
